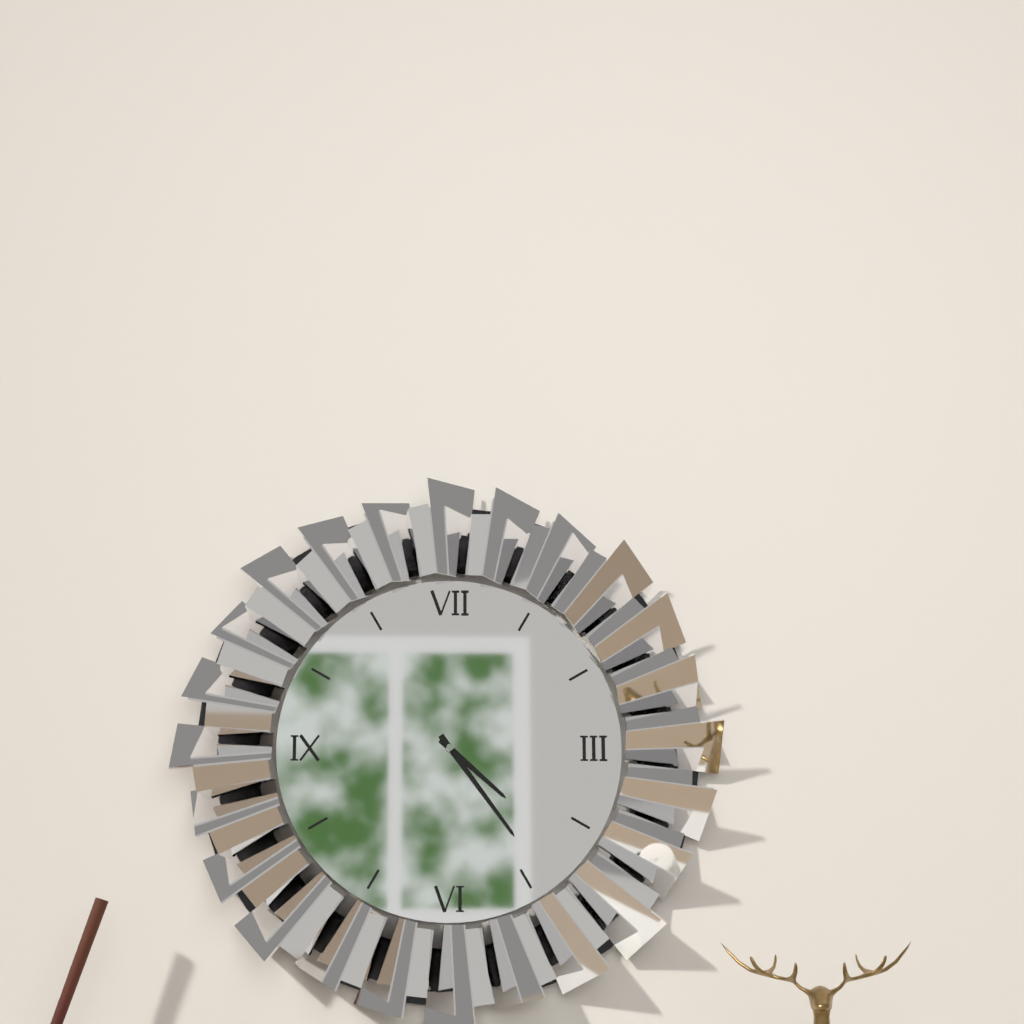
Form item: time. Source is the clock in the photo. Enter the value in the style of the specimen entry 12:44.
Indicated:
4:24
